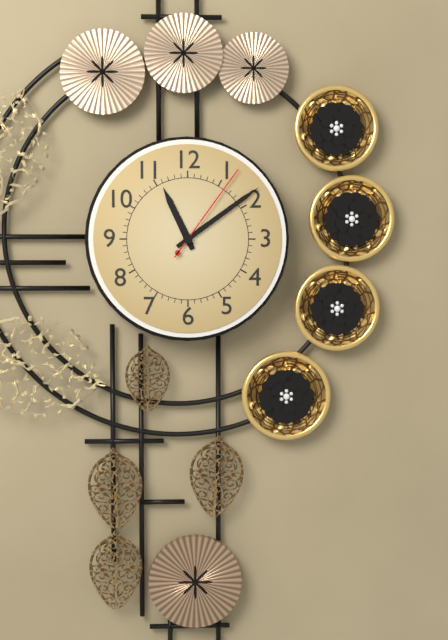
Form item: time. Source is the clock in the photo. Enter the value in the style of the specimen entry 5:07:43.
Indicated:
11:09:06
